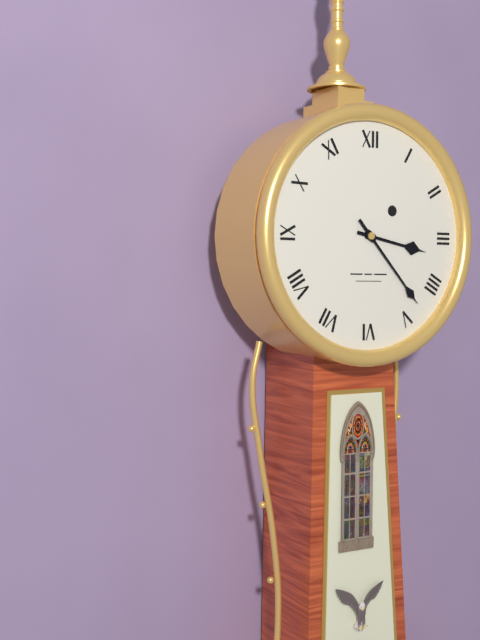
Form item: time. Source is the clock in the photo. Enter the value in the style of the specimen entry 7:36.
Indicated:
3:23
